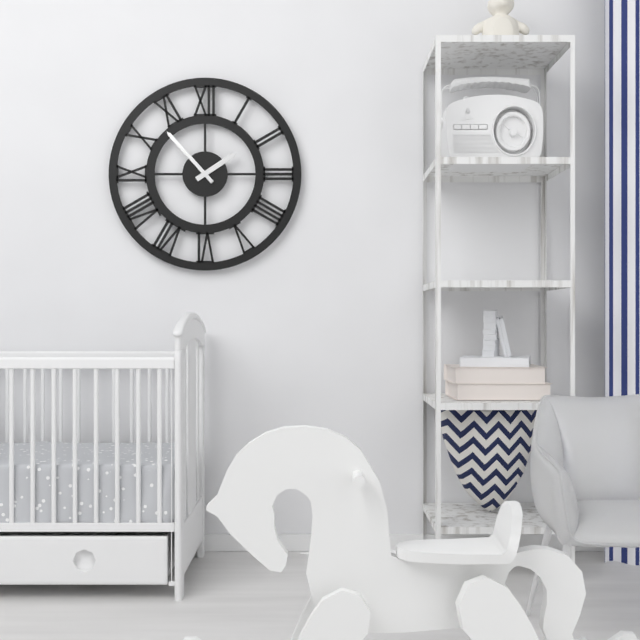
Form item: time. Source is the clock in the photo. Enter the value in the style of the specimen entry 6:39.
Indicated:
1:53
